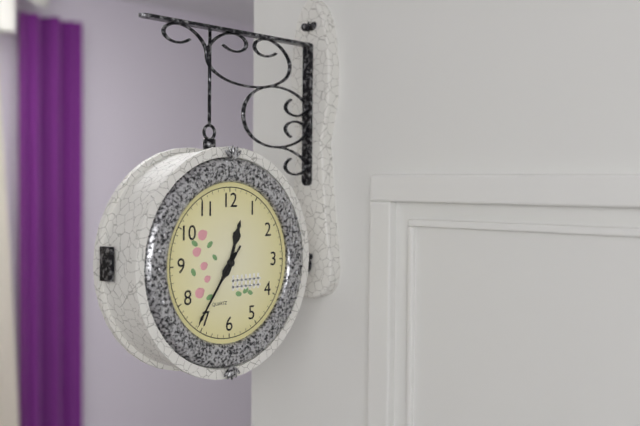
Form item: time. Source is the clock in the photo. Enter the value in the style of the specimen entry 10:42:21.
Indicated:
12:36:36
